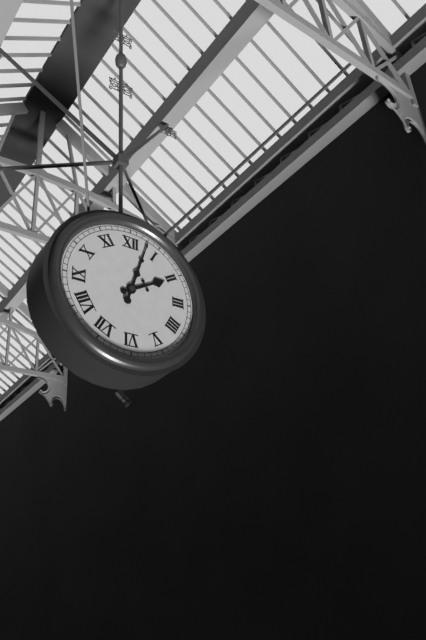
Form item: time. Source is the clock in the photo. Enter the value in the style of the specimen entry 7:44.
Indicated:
2:03
